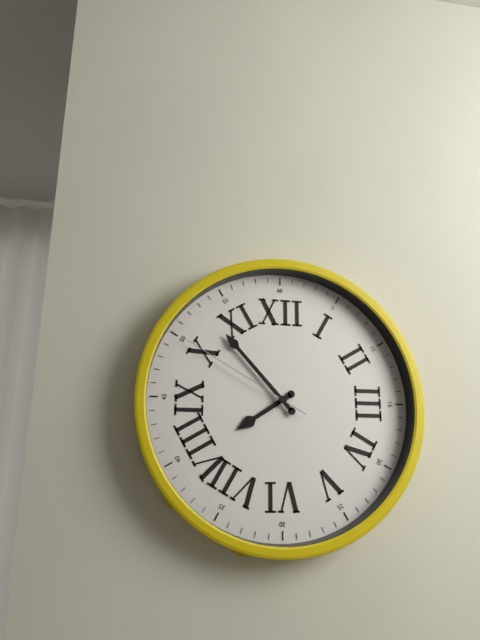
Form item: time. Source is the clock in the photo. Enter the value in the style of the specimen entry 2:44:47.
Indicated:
7:53:50
